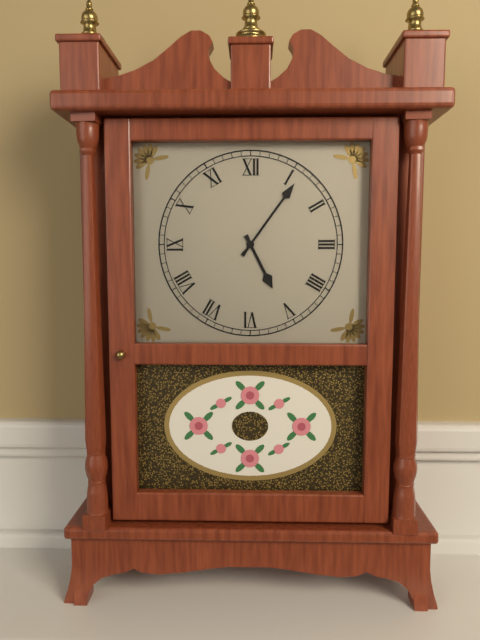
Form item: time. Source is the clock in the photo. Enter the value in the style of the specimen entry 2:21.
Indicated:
5:06
